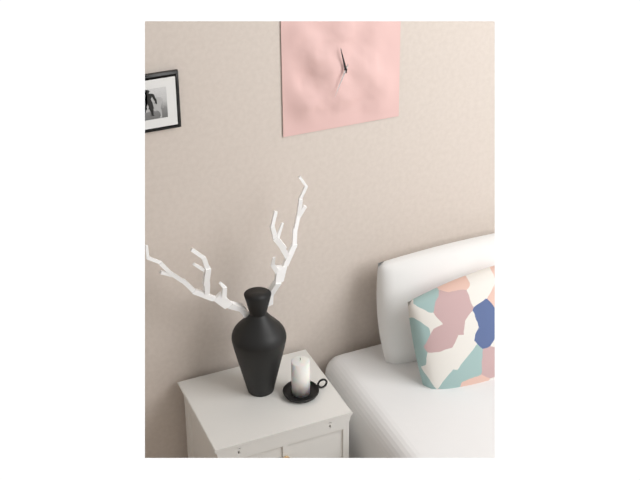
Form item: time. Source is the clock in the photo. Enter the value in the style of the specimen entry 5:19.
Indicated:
11:34
